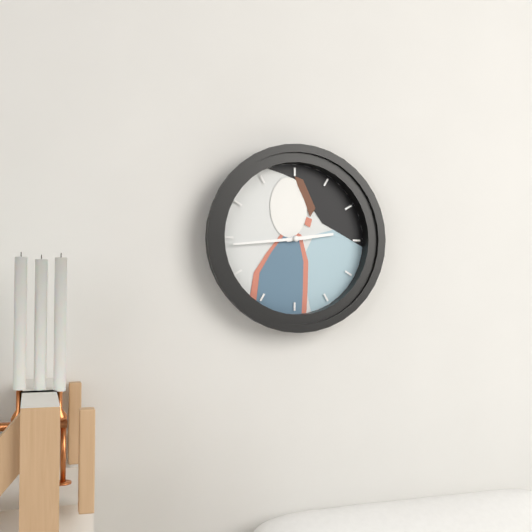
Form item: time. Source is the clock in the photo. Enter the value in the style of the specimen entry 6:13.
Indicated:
2:44
